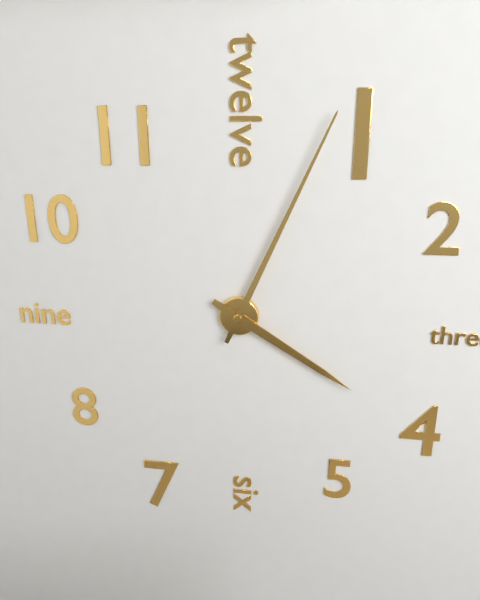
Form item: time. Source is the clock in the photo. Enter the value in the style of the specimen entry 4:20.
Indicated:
4:04
